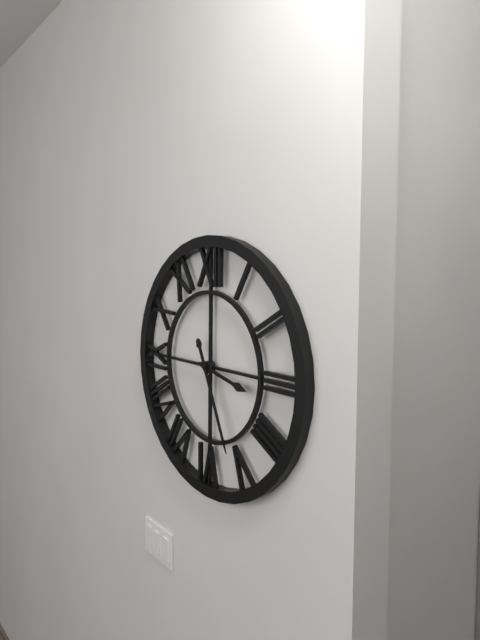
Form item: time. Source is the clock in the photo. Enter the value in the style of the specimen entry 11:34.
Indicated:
3:26
